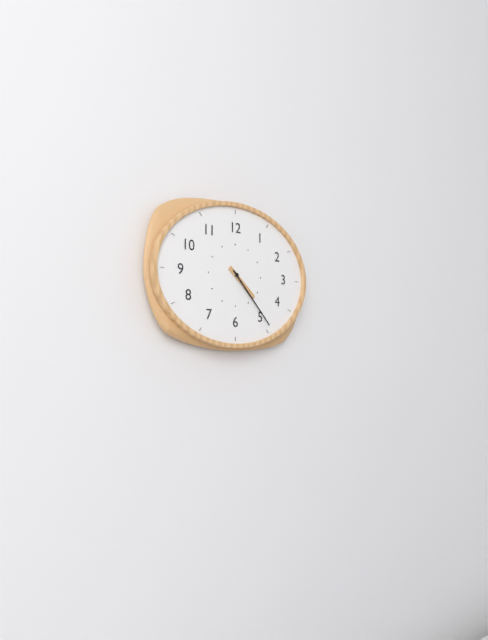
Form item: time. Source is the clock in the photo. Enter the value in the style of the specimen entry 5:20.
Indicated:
4:23
